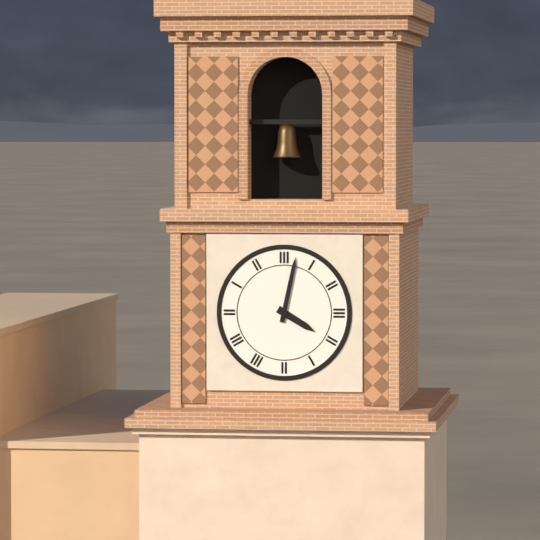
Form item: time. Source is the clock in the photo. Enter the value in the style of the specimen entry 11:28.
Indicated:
4:02
